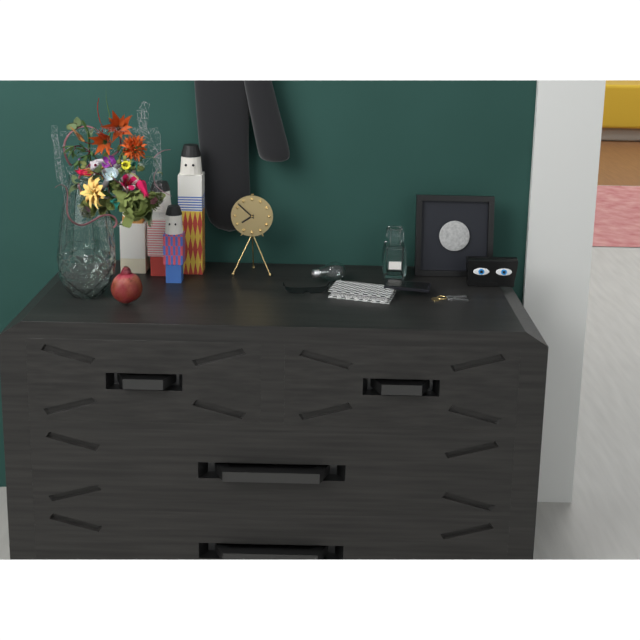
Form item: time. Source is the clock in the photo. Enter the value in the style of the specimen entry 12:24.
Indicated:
7:52
